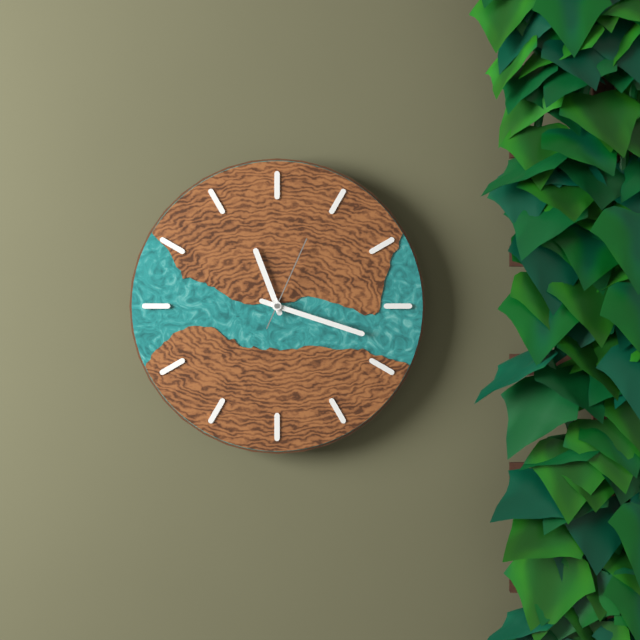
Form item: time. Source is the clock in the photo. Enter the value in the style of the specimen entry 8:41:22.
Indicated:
11:18:04
